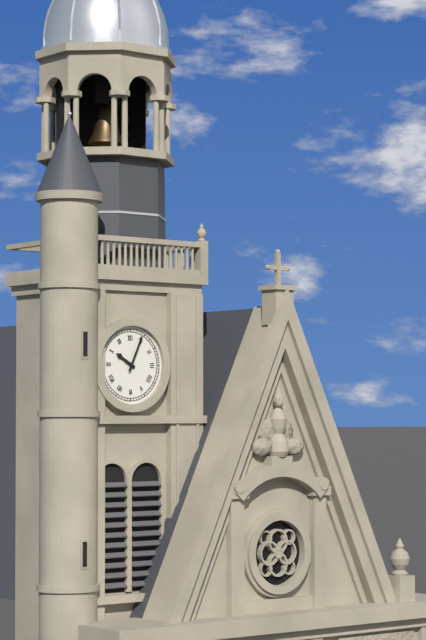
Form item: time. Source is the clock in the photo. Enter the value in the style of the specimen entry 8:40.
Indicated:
10:04
